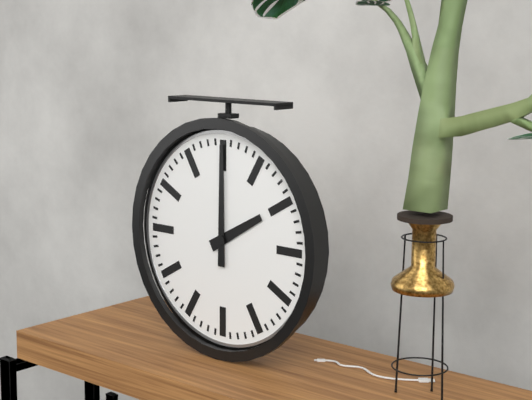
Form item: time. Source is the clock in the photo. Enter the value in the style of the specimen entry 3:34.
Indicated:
2:00
